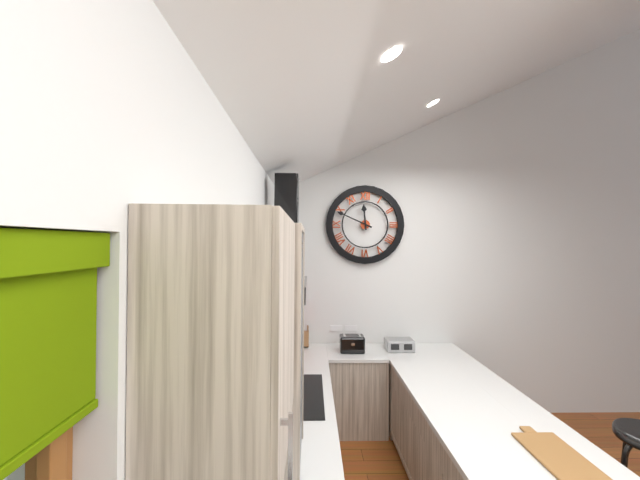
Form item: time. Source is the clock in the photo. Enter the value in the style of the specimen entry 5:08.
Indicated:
11:49
